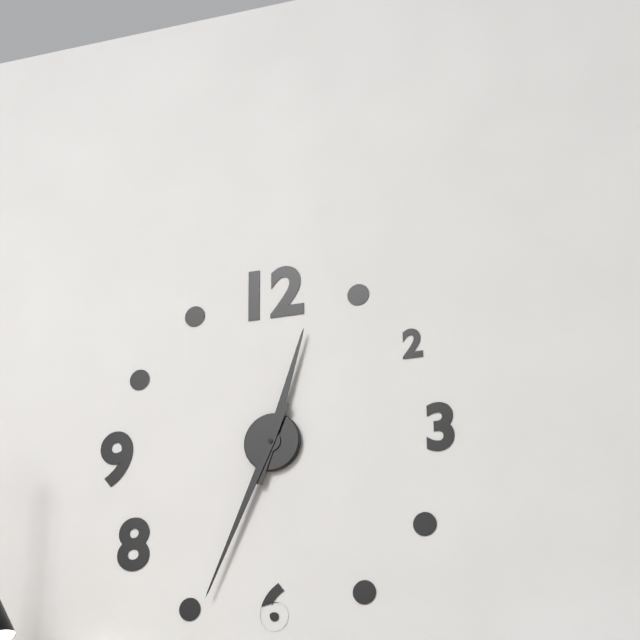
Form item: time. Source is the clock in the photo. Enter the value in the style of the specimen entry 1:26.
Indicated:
12:34
